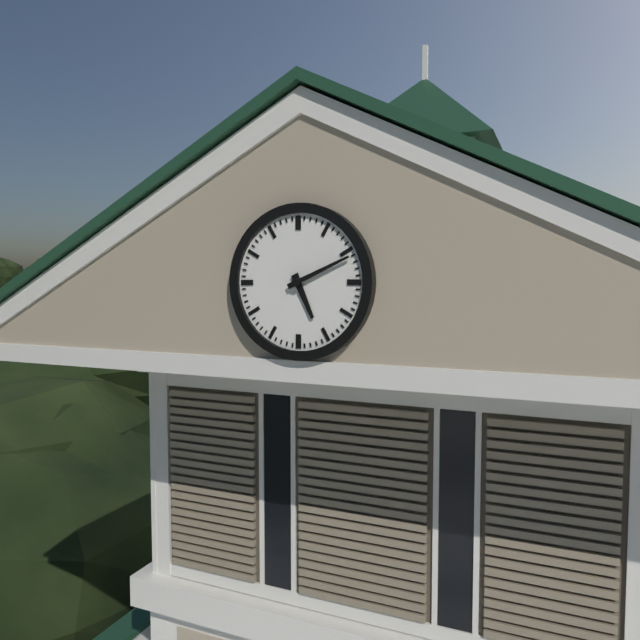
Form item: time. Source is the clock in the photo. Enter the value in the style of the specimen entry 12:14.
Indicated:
5:11
